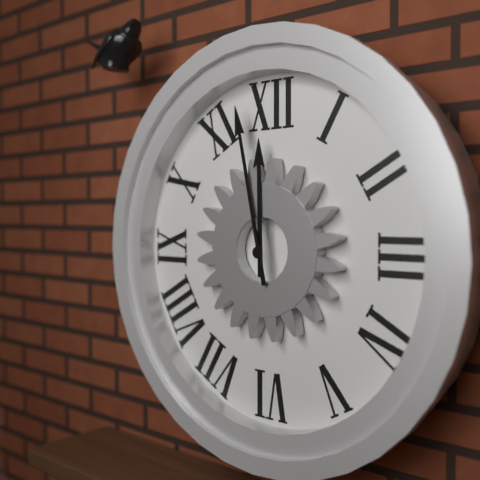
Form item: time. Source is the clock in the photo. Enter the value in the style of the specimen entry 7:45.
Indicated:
11:58
